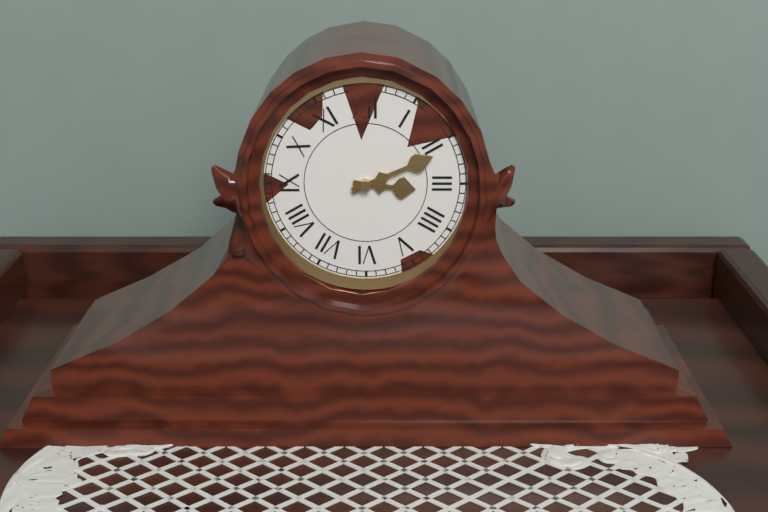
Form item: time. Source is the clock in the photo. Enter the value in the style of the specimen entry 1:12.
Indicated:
3:11
